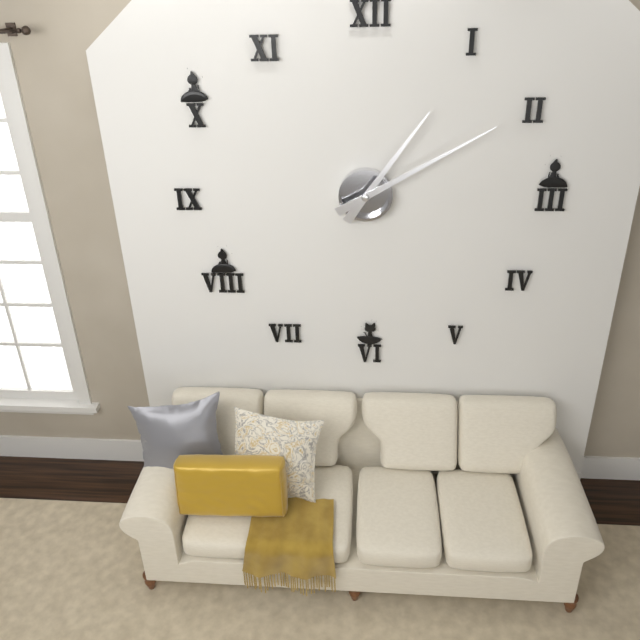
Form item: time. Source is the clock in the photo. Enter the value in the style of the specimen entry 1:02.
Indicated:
1:10
